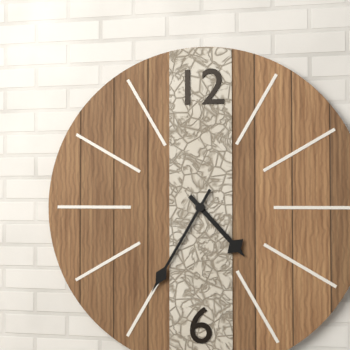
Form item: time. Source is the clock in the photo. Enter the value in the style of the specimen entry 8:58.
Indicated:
4:35
